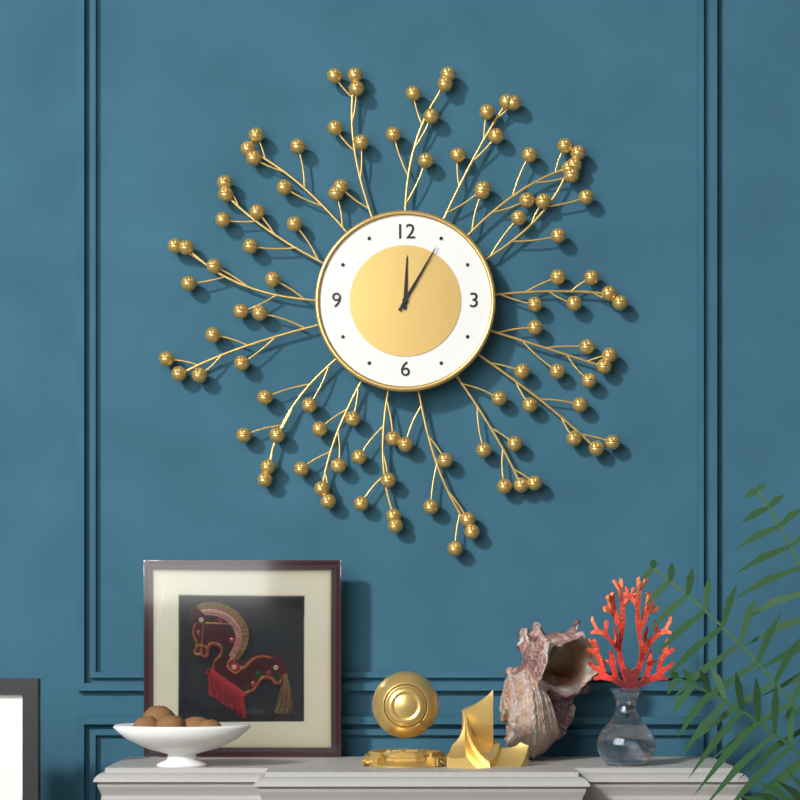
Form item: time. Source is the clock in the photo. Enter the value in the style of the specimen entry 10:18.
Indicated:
12:05
